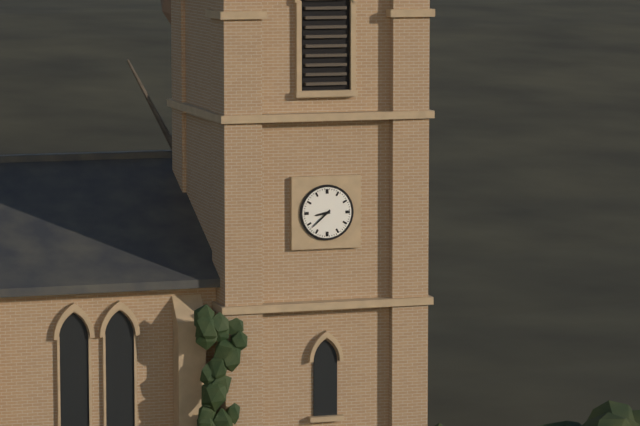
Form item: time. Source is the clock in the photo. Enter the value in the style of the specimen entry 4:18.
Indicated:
8:38
